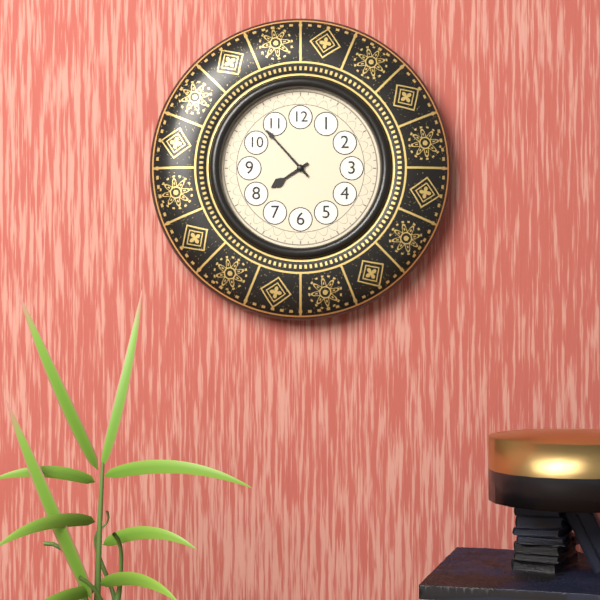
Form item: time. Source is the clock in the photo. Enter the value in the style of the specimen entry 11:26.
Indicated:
7:53
